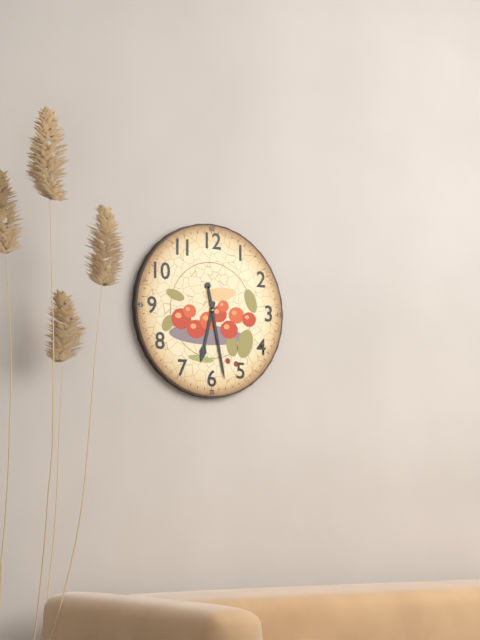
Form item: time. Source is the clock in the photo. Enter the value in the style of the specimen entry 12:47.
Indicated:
6:28
